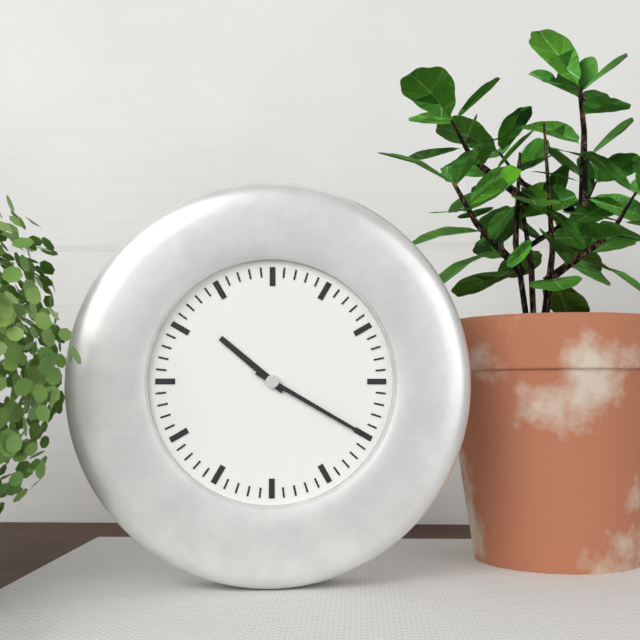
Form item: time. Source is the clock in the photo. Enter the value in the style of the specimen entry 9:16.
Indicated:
10:20
